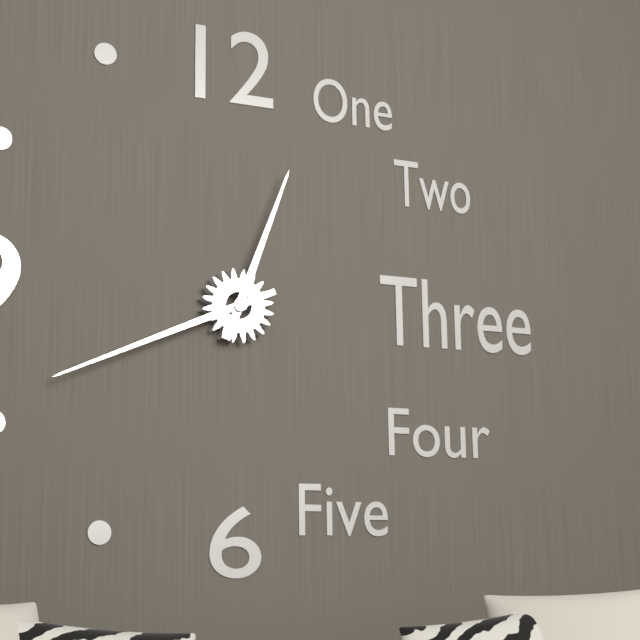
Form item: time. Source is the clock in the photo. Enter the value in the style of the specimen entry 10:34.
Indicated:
12:41
